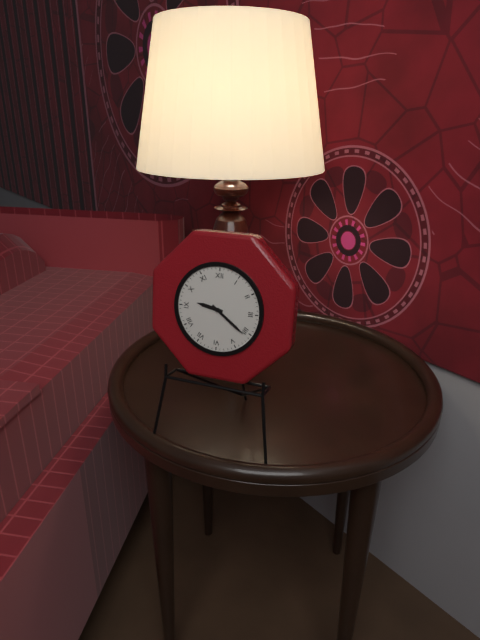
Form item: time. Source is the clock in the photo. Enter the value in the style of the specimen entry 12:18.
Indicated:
9:21
